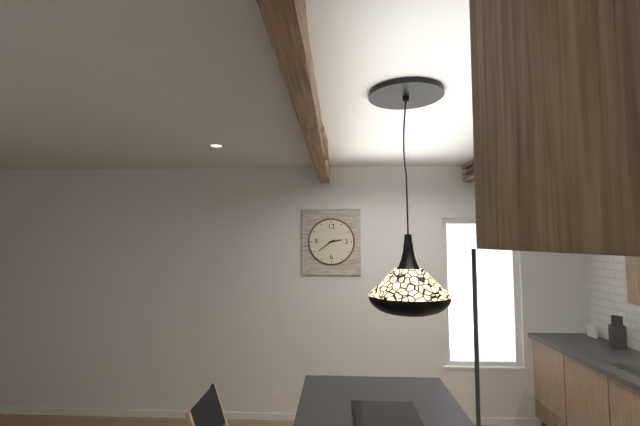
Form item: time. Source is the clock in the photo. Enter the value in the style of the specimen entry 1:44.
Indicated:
2:39
